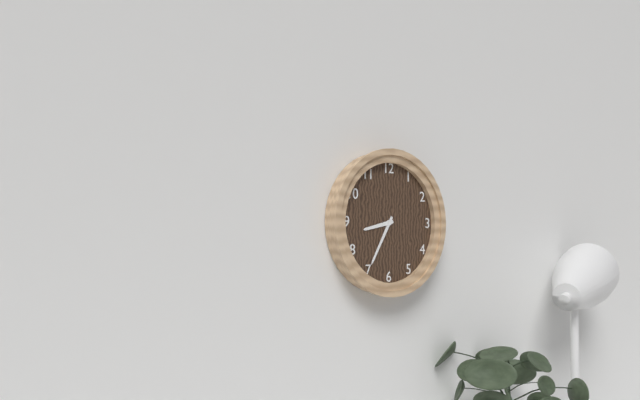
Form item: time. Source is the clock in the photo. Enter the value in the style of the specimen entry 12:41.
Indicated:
8:35
